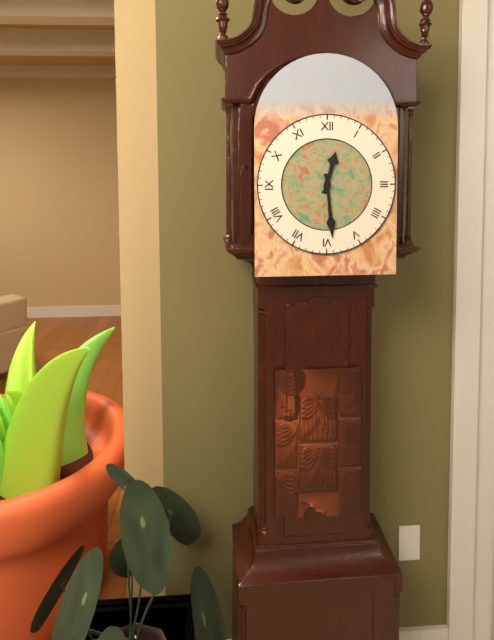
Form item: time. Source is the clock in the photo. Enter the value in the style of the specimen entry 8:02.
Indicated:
12:29
